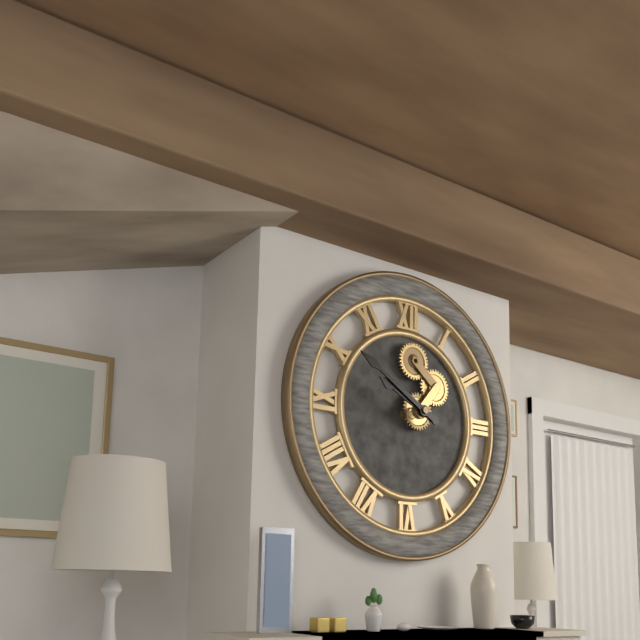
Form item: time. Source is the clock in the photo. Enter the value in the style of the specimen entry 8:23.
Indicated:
9:50
